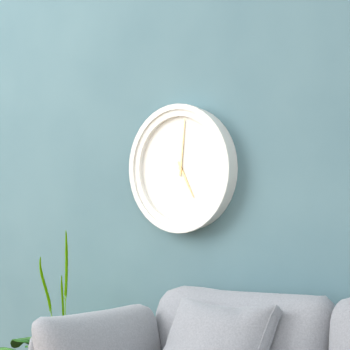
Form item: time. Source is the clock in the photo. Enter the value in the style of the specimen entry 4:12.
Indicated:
5:01
